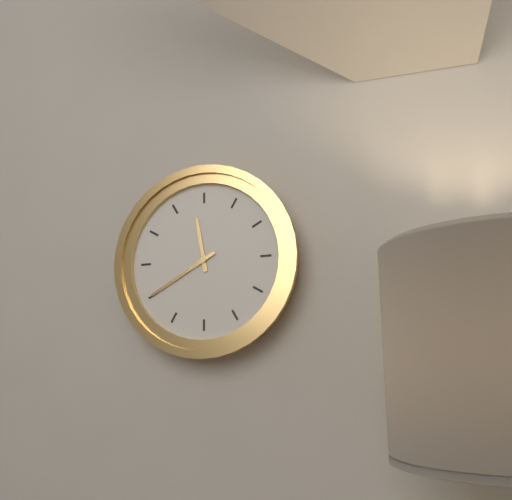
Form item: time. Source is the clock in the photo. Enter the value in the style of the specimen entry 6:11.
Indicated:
11:40
